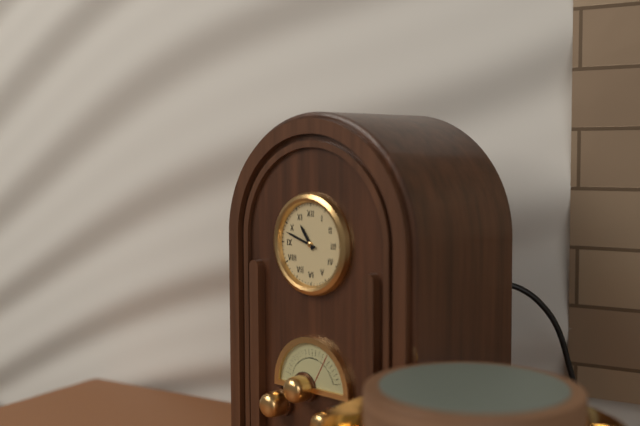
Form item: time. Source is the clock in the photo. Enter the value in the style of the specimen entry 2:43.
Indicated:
10:48
